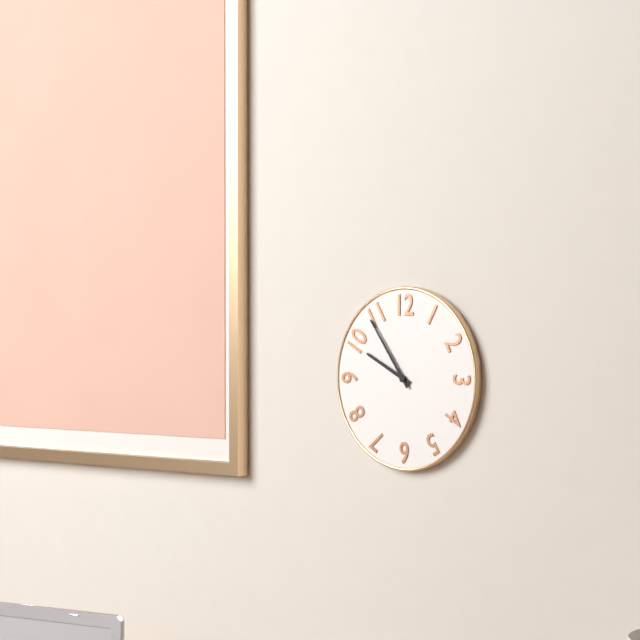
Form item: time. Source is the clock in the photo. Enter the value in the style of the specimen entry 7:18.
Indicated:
9:54
